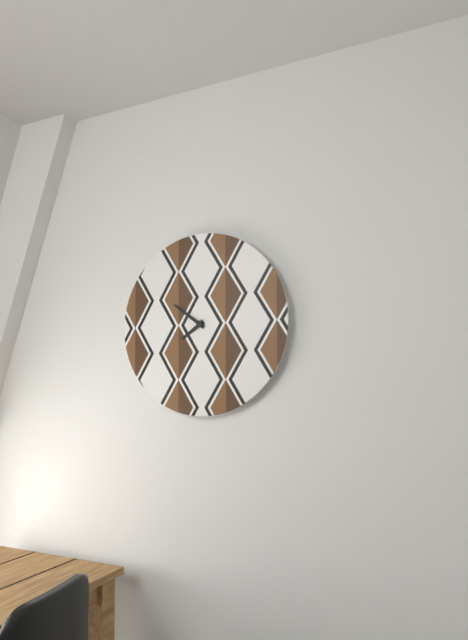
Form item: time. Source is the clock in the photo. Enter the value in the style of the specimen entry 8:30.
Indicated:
7:51
